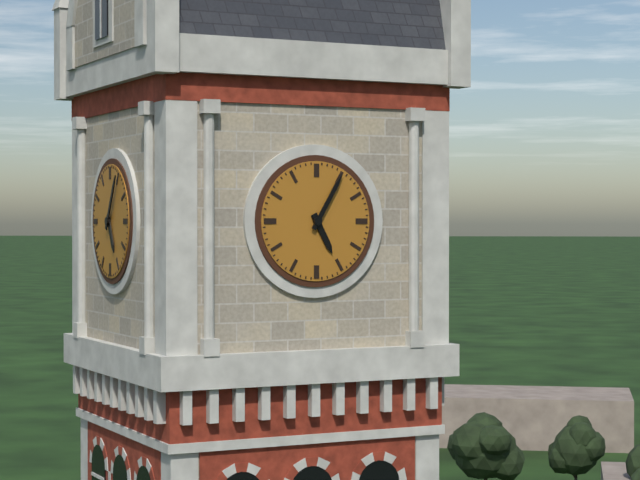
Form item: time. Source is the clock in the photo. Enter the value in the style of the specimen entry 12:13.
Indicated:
5:05
